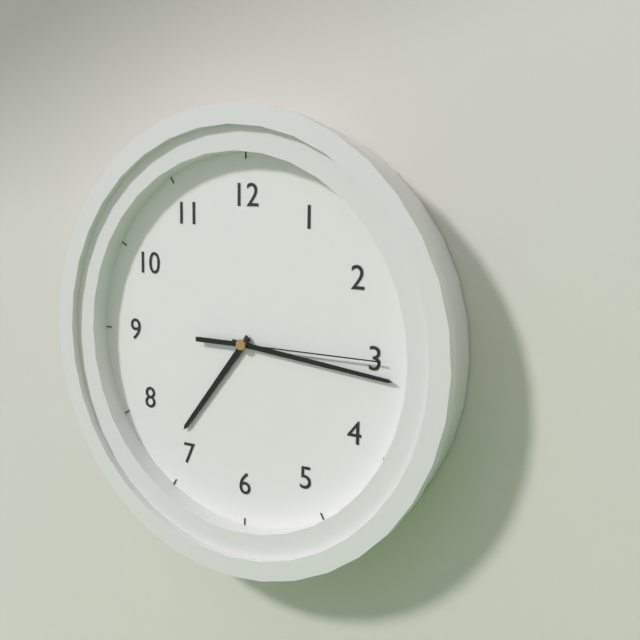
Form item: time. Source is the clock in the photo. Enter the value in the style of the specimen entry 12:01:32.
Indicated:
7:16:15
